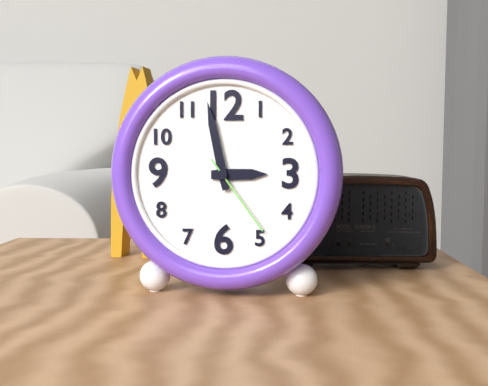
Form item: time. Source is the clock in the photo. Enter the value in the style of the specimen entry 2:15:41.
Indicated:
2:58:24
